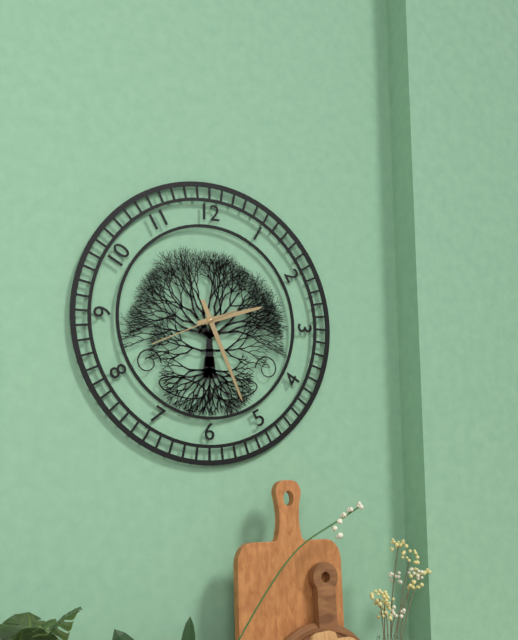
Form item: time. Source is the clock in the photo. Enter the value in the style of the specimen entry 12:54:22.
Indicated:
2:26:41
